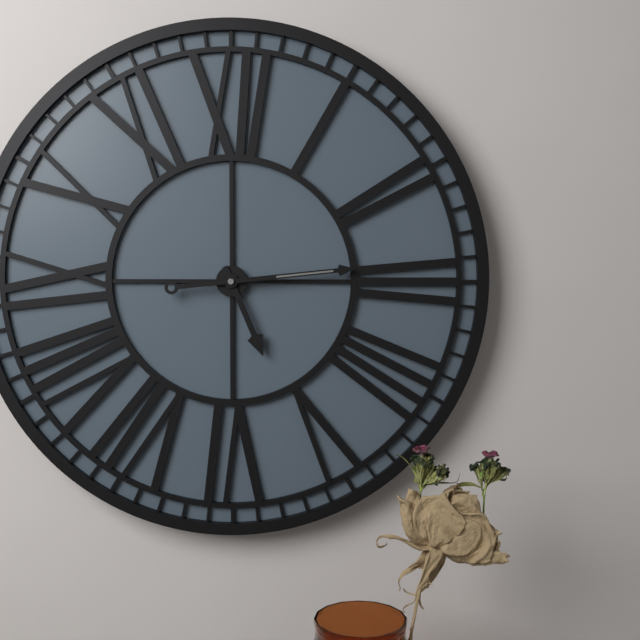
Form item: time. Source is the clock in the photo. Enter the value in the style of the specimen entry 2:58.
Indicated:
5:14
